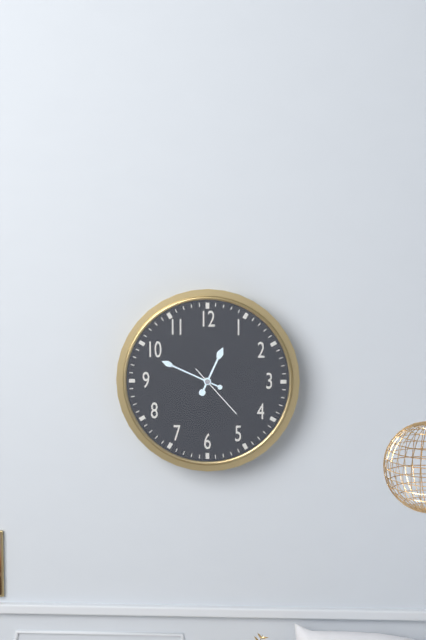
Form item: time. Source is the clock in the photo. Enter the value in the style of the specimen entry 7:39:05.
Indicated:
12:49:23
